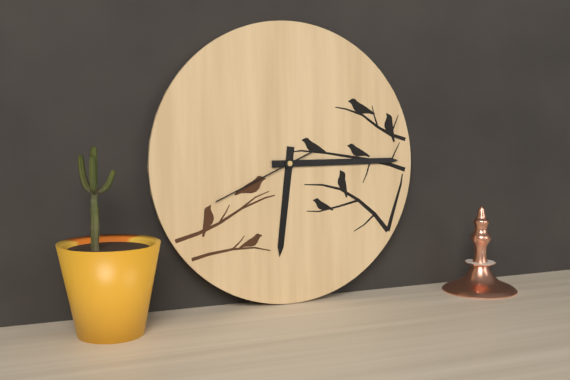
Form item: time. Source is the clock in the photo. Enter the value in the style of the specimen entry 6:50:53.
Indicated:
6:15:41
